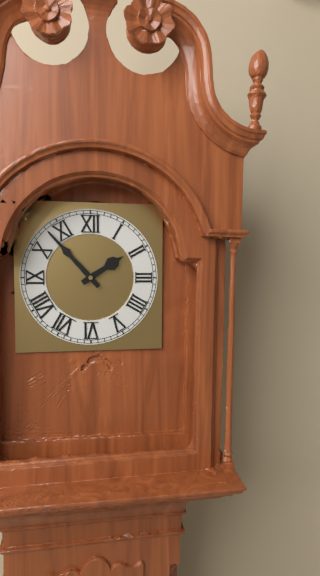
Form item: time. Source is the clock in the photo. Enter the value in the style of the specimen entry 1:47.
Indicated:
1:53
